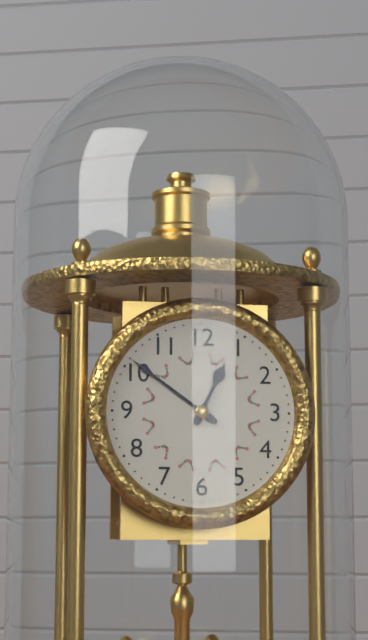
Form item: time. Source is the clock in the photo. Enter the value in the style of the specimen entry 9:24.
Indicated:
12:51
